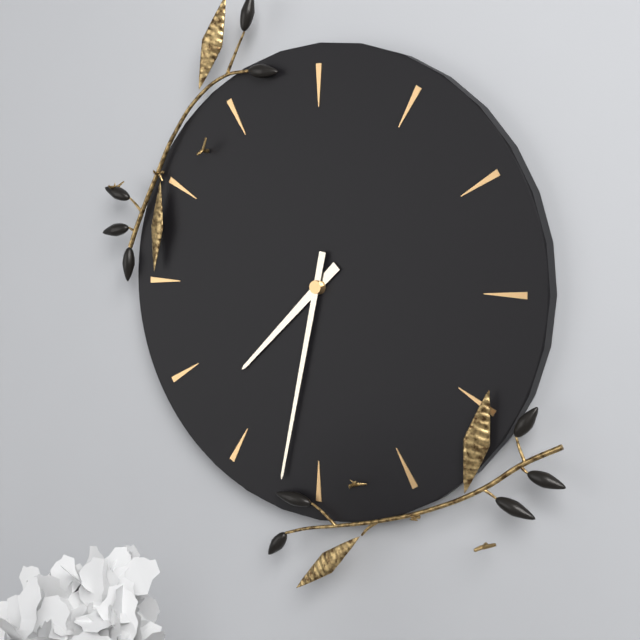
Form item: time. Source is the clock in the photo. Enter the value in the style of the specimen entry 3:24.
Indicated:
7:32
